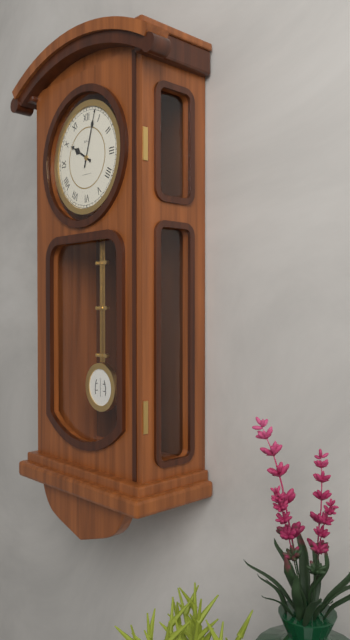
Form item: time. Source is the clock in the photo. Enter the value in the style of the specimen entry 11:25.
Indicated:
10:03
